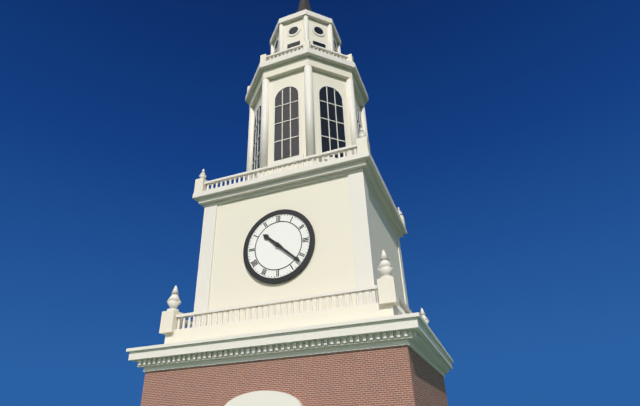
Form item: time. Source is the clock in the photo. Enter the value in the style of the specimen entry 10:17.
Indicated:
10:22
